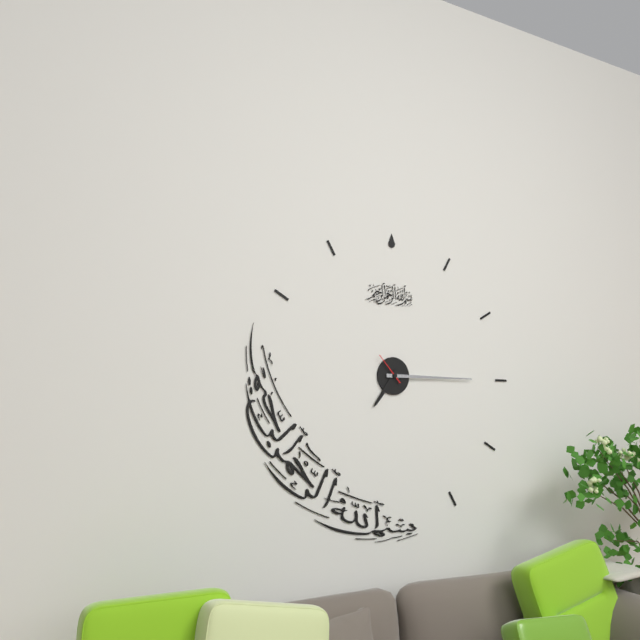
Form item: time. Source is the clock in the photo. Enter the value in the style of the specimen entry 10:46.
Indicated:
7:15
